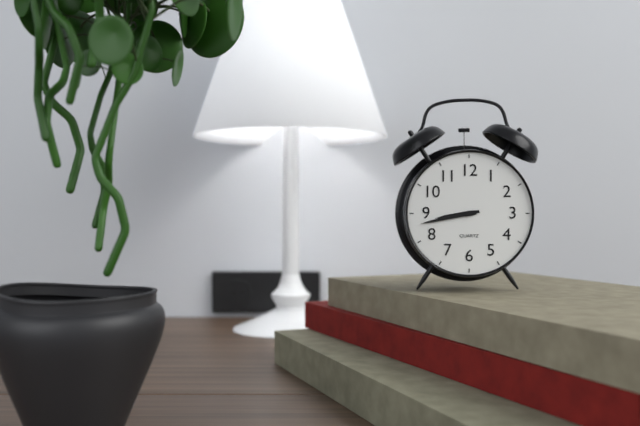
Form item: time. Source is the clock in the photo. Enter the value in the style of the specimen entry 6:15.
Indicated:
8:43
